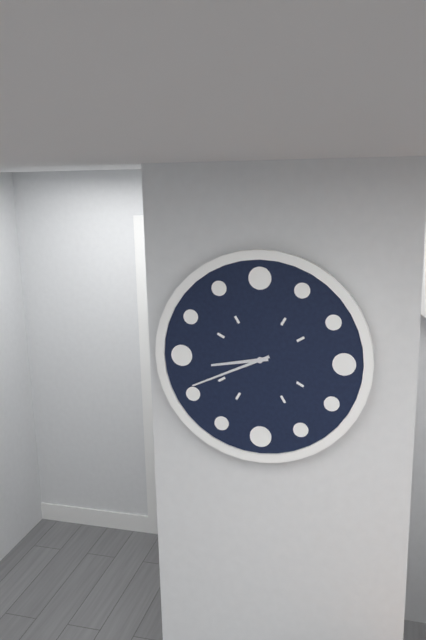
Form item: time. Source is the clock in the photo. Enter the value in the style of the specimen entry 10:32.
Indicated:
8:41
